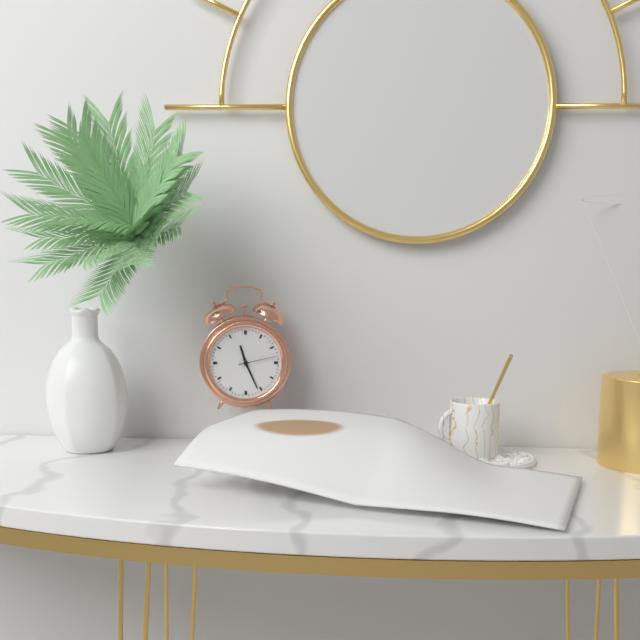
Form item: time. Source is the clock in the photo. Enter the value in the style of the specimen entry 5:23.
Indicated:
11:26
